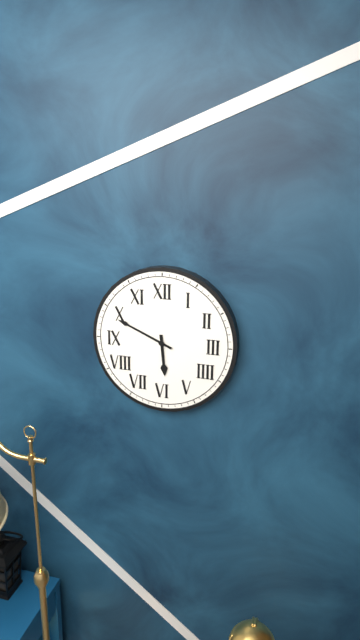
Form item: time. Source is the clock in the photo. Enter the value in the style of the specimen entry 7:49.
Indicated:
5:49
